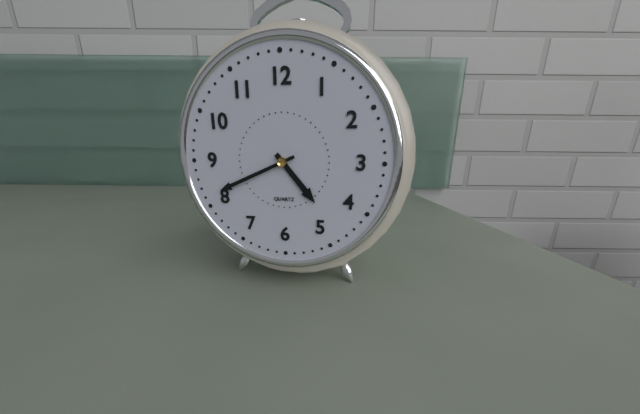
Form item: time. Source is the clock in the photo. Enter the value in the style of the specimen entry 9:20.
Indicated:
4:41
